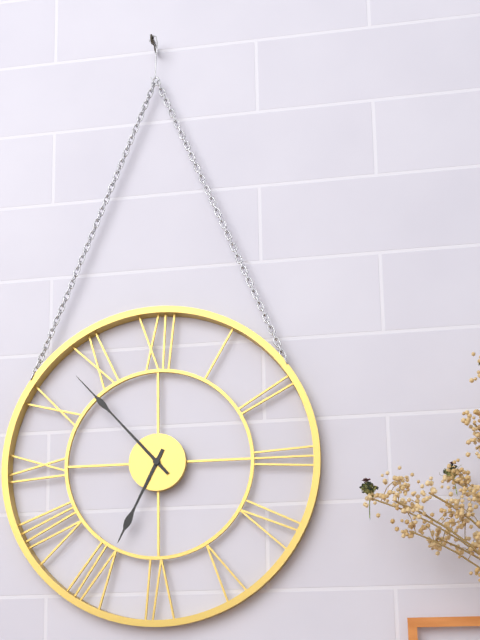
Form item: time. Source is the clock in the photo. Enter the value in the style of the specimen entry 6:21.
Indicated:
6:53
